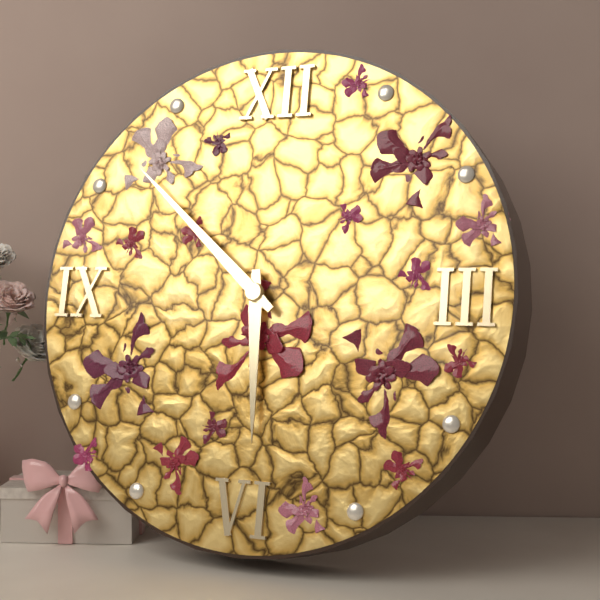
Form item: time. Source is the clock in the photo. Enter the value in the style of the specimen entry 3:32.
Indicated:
5:52
